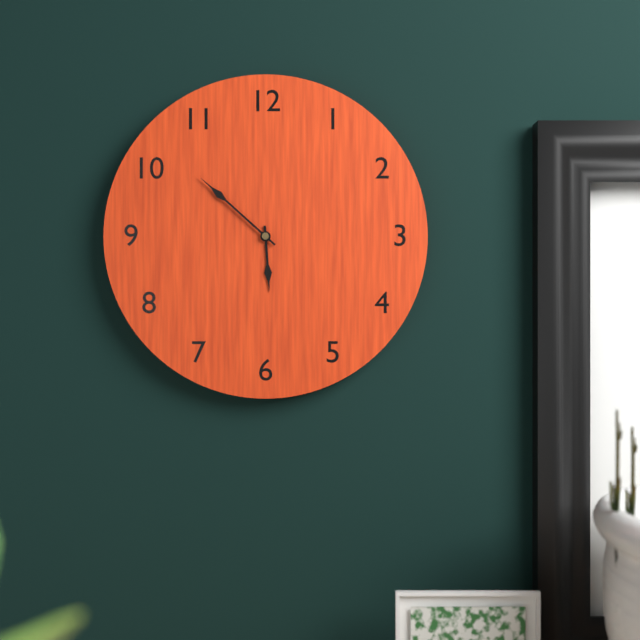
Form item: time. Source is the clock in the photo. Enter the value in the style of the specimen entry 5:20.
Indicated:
5:52
